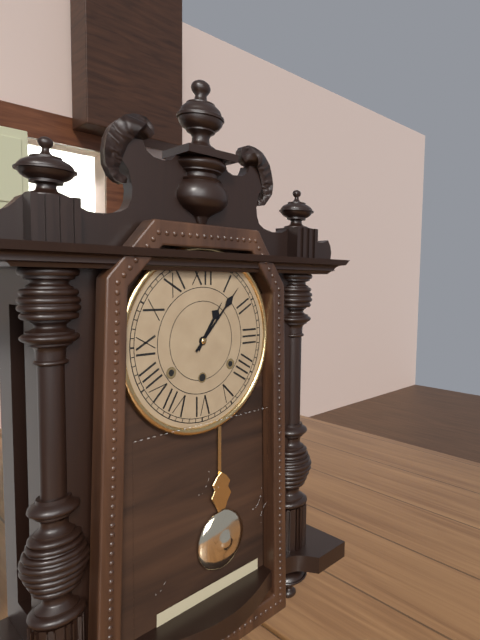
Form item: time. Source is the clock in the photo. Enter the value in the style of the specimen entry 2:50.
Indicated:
1:07
